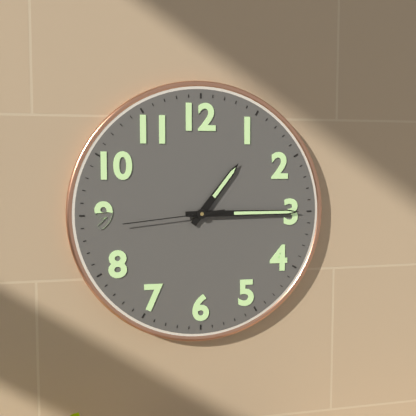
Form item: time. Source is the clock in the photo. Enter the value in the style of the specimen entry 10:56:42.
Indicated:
1:15:44
